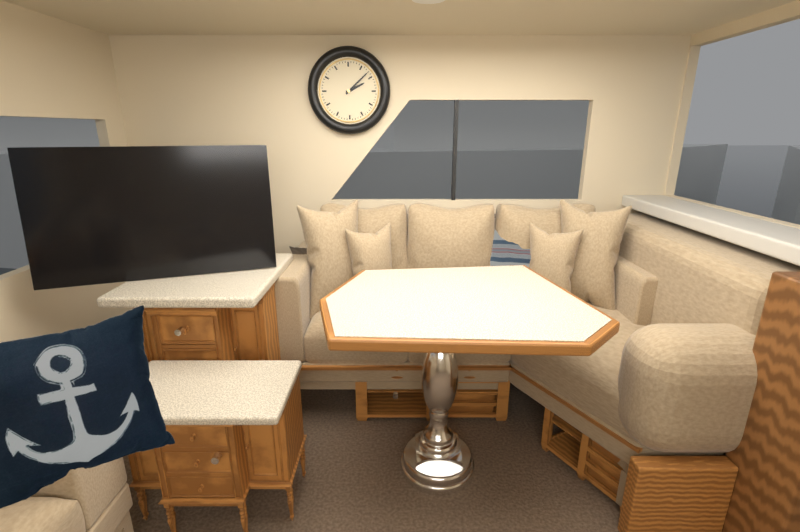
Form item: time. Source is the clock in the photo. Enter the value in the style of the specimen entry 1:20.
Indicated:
2:08
